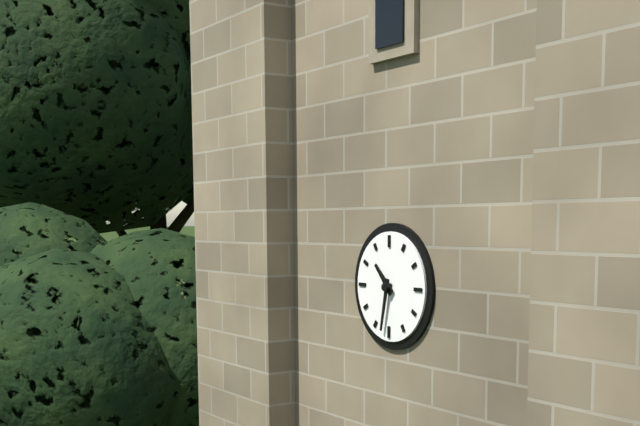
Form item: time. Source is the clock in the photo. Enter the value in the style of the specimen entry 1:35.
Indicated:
10:32
